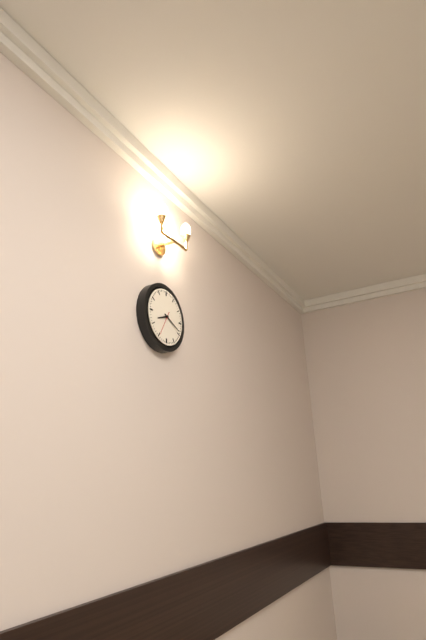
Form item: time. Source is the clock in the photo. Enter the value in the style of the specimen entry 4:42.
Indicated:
8:19
